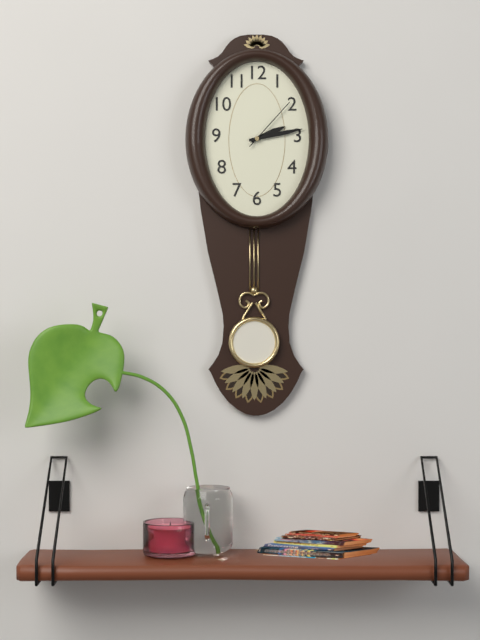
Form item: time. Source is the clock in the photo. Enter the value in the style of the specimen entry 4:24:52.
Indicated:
2:13:07
